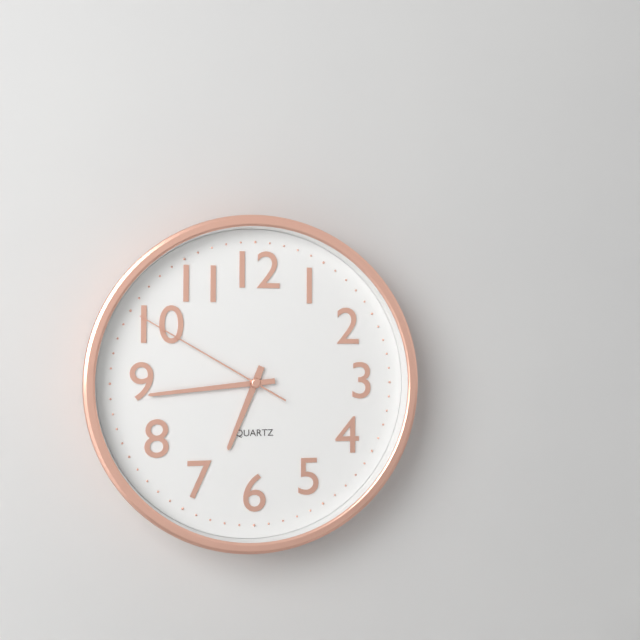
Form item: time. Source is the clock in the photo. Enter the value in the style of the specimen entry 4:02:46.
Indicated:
6:44:50
